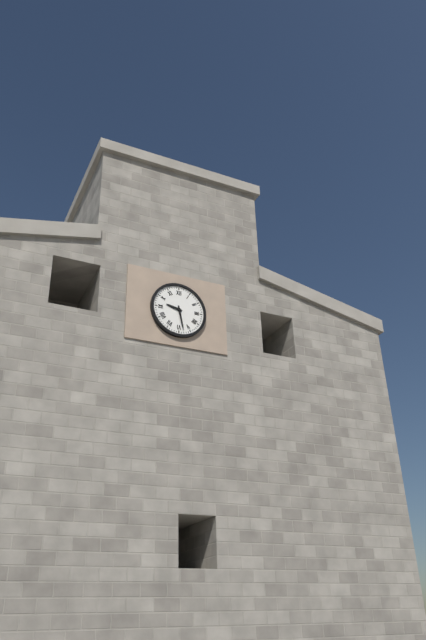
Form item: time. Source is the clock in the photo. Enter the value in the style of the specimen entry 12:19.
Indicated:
9:28
